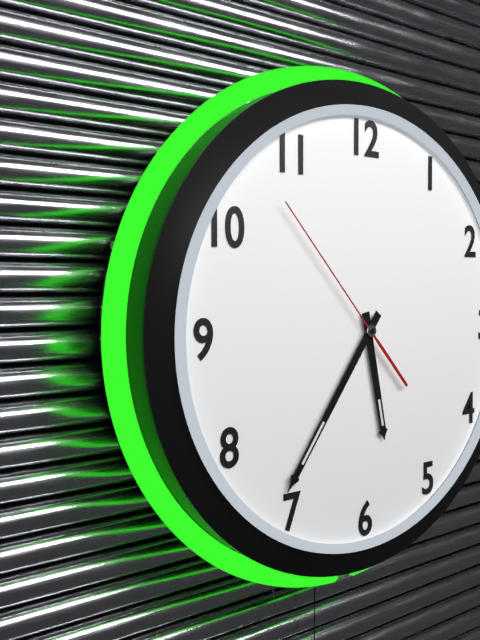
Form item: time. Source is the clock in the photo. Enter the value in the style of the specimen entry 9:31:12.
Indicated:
5:36:53
